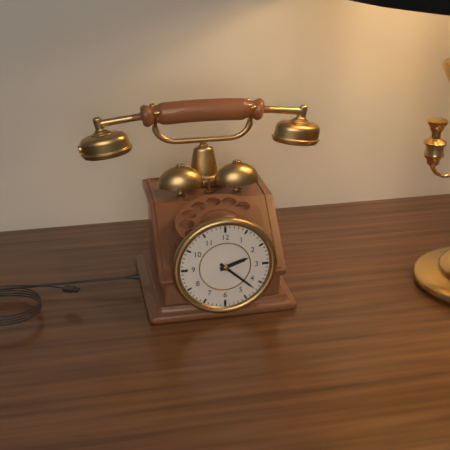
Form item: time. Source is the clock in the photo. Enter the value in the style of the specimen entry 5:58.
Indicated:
2:22
